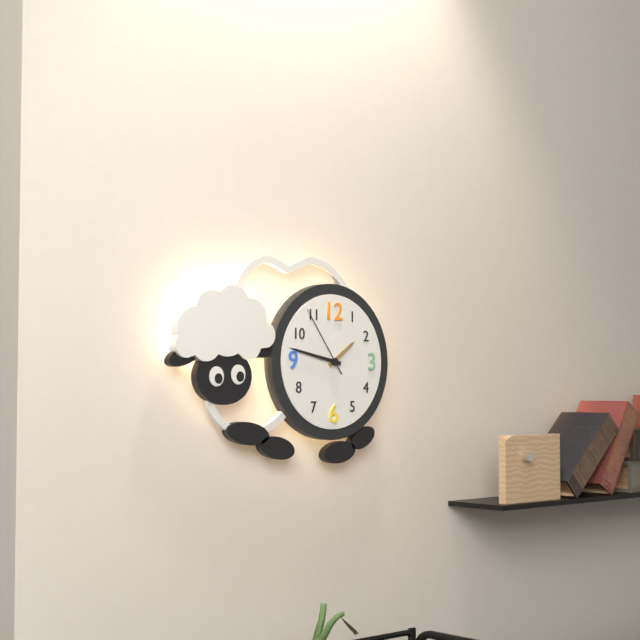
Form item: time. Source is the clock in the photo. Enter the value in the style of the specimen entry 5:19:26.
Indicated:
1:47:54
